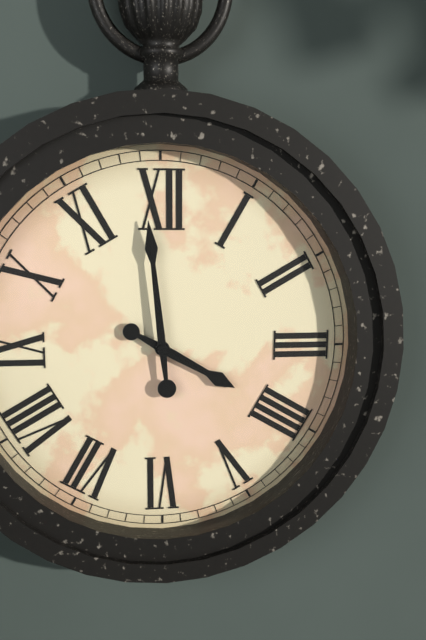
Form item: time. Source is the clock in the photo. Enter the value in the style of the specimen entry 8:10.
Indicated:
3:59
